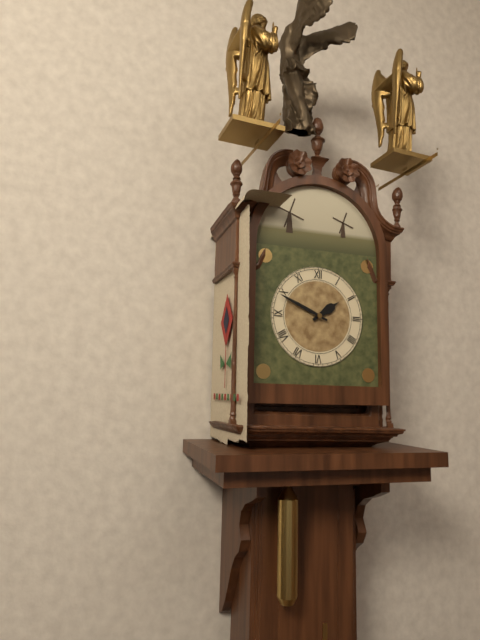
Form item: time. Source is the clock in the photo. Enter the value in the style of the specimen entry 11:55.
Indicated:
1:49
